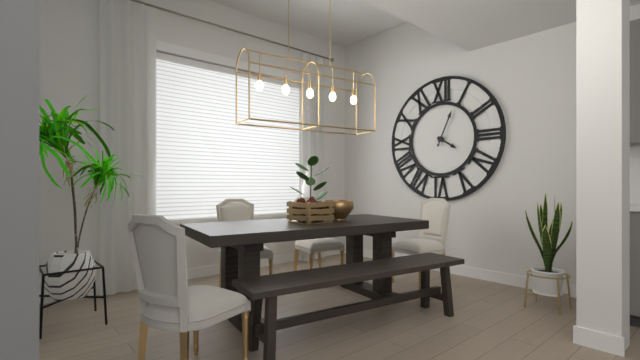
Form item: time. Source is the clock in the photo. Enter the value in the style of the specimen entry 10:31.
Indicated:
4:04
